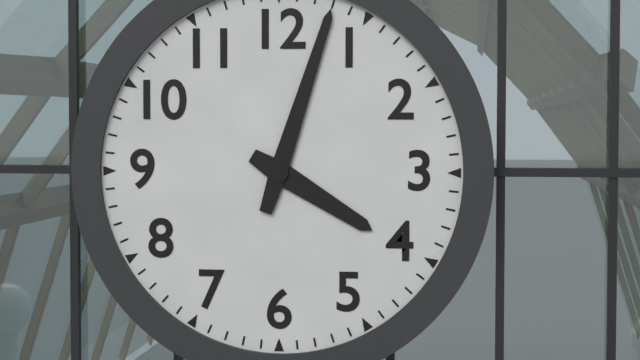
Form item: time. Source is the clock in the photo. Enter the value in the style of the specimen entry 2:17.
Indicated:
4:03
